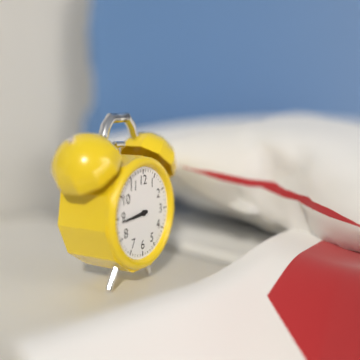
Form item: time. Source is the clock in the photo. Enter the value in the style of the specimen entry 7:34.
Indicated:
8:44
